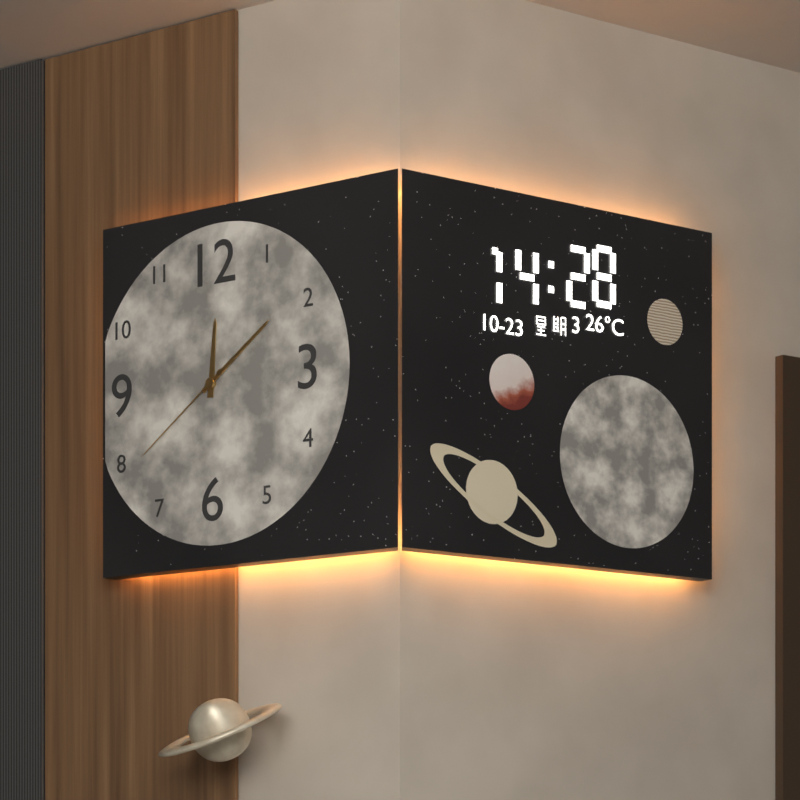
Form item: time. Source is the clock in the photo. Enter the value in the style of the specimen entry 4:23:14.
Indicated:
12:09:39
